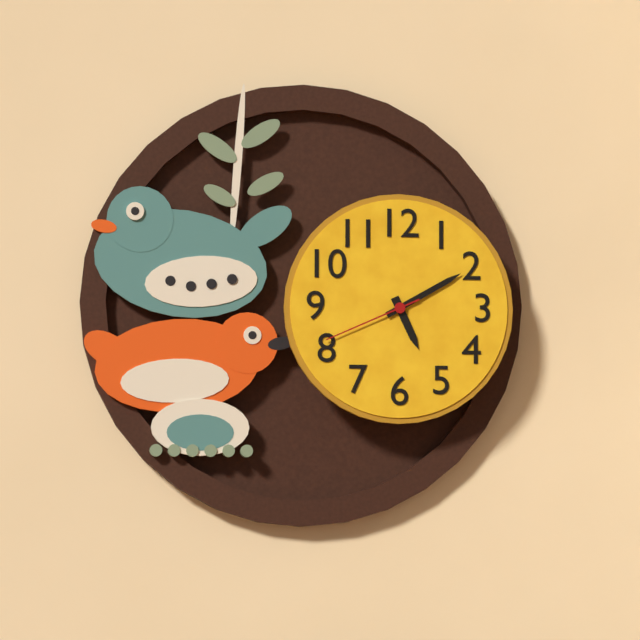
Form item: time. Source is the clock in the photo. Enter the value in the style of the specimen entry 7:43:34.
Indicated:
5:10:41
